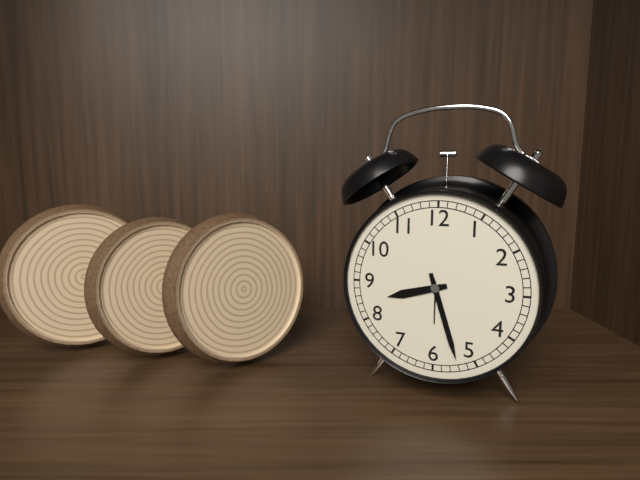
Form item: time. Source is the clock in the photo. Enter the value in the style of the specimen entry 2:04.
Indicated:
8:27
